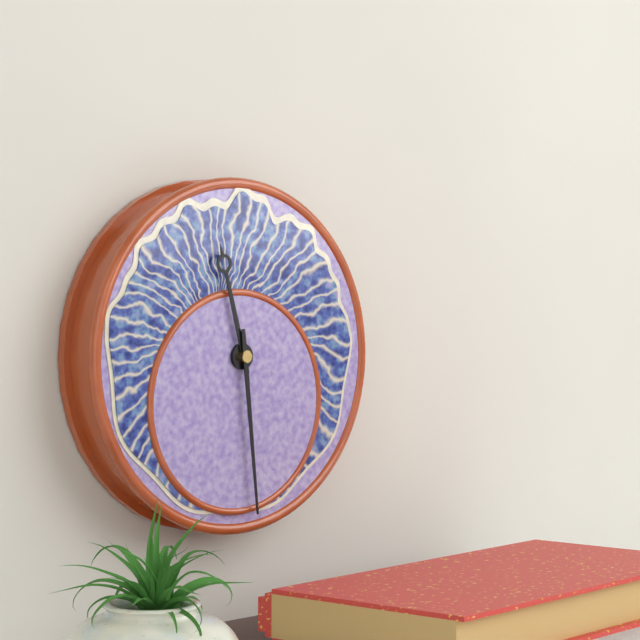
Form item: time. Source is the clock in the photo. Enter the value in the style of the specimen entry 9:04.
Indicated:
11:29
